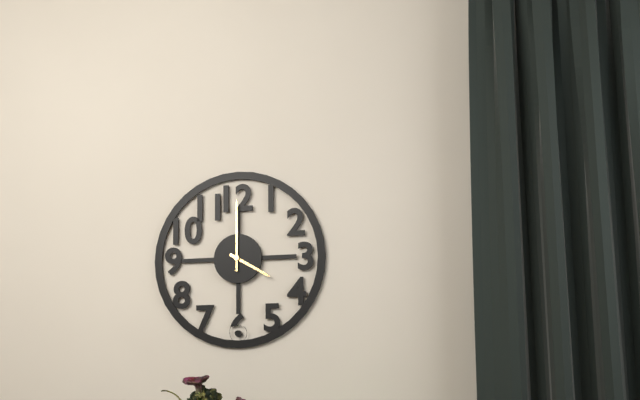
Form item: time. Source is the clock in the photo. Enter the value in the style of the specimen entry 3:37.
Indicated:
4:00
